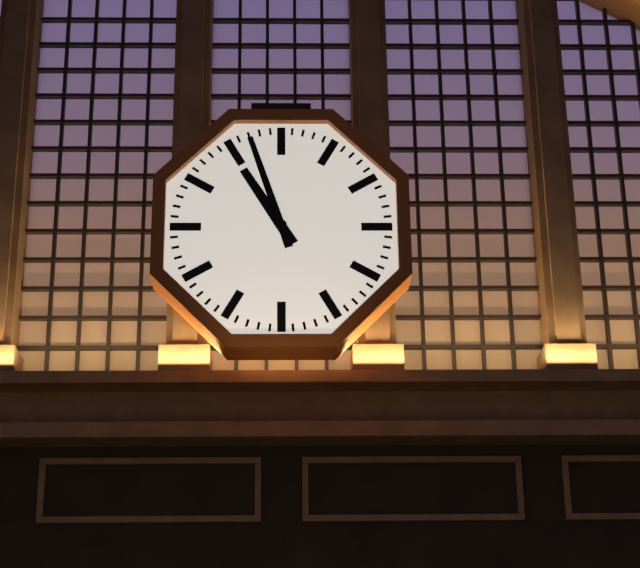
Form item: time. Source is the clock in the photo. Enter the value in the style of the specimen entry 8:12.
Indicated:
10:57
